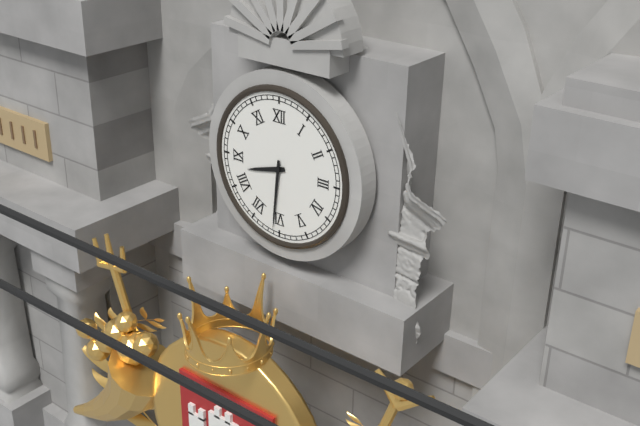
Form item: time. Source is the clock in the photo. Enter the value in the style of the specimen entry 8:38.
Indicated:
8:31
